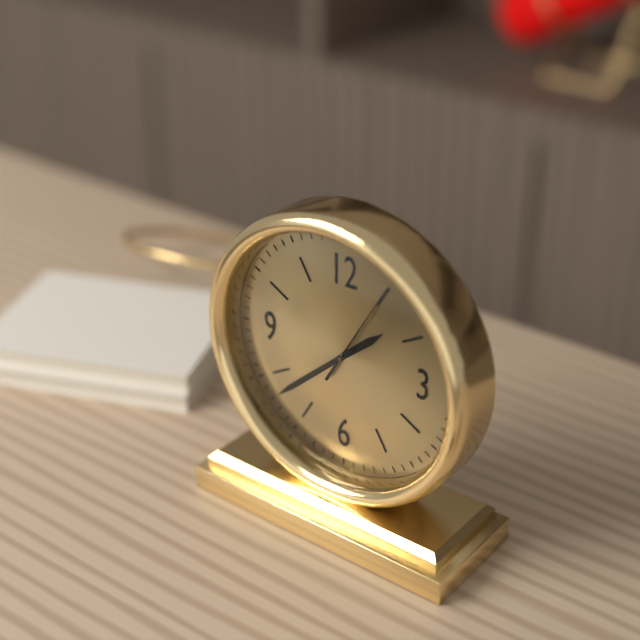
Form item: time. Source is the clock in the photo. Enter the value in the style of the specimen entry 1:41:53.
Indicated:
1:38:05
